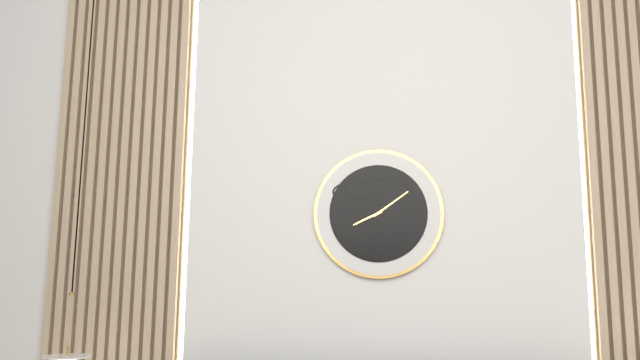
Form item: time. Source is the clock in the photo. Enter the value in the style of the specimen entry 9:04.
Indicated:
8:09
